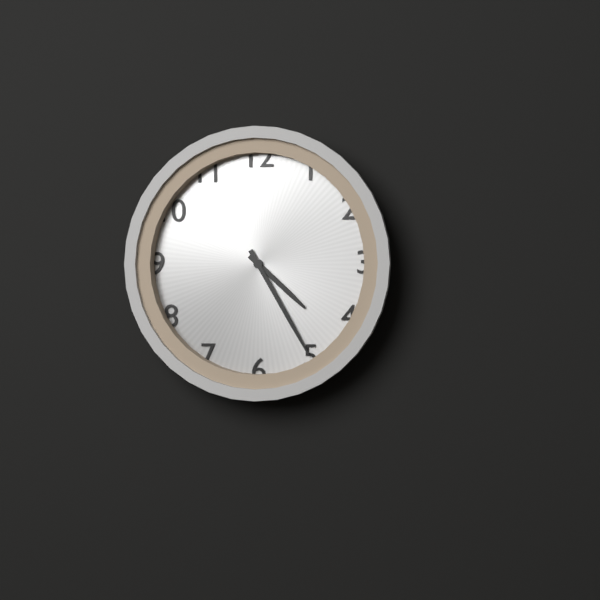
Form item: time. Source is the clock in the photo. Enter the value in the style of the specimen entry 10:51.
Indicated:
4:25
